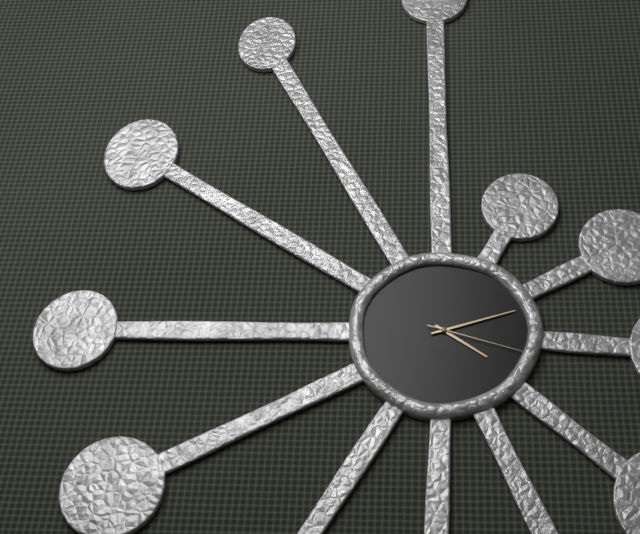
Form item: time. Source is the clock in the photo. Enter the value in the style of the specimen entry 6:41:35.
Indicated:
4:12:18
